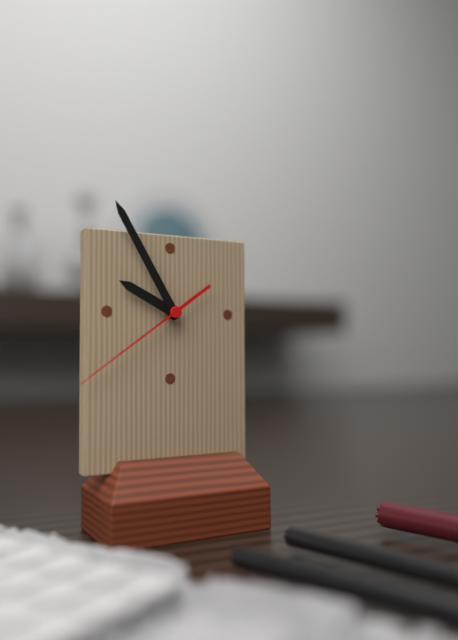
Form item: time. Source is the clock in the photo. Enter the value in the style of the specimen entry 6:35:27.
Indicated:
9:55:39
